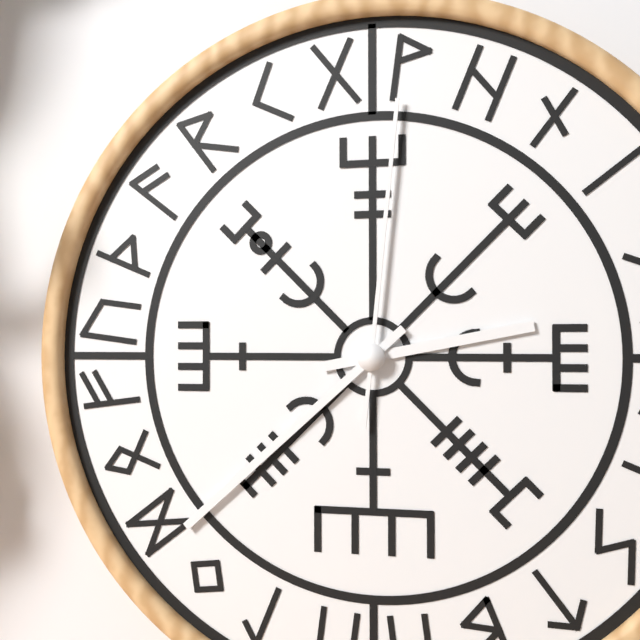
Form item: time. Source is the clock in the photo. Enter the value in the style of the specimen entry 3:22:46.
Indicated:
2:38:01
